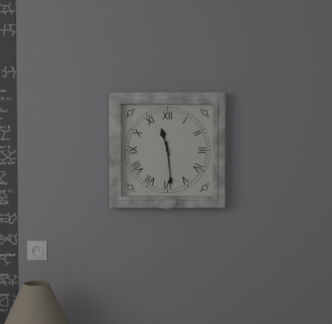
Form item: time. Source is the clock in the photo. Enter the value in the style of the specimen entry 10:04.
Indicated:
11:29
